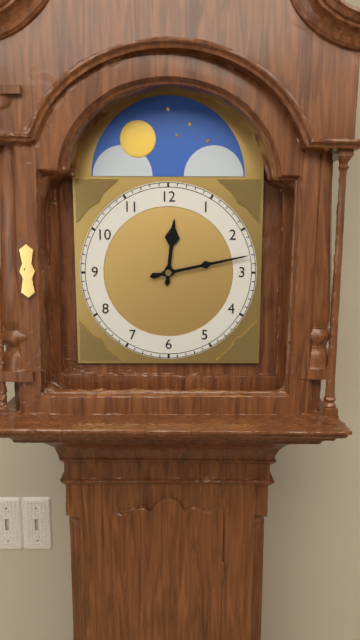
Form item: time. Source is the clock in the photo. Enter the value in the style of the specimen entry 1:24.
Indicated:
12:13
